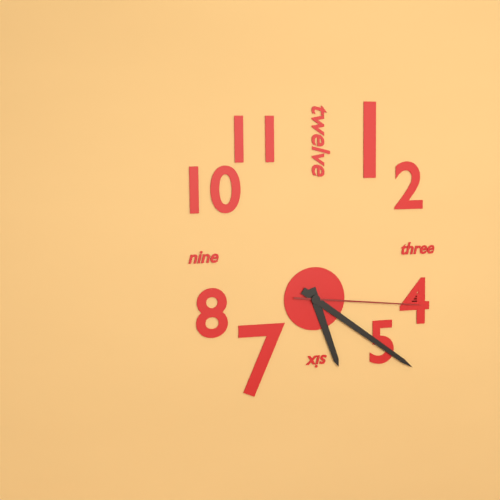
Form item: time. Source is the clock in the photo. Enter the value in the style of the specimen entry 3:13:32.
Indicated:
5:21:16
